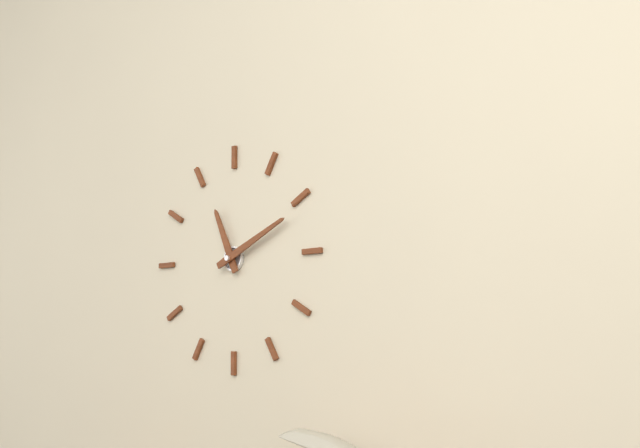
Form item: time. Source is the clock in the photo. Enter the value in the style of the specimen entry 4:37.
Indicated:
11:11
